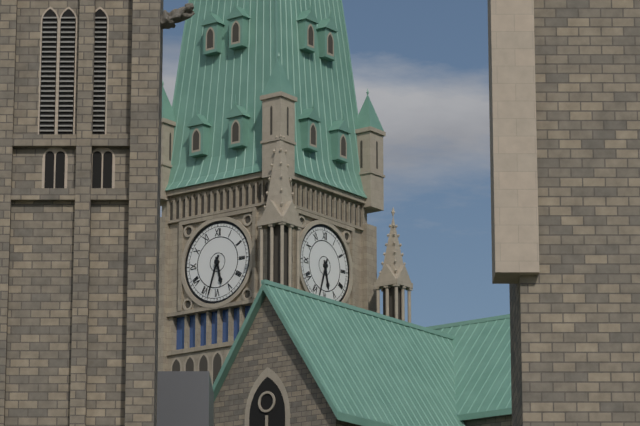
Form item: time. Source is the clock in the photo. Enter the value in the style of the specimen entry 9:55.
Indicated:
5:33
